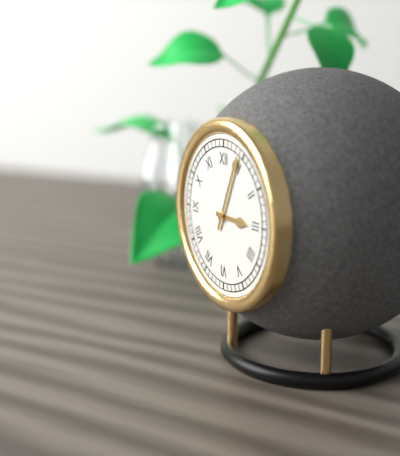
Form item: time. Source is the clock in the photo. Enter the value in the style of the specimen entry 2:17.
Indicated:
3:04
